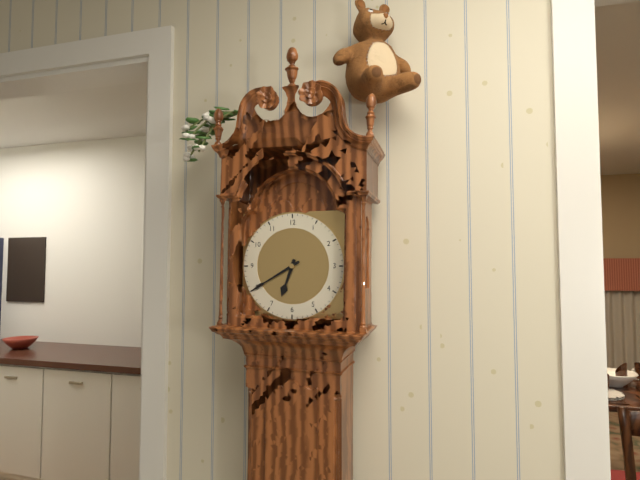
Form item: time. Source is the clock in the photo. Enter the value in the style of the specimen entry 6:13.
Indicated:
6:40
